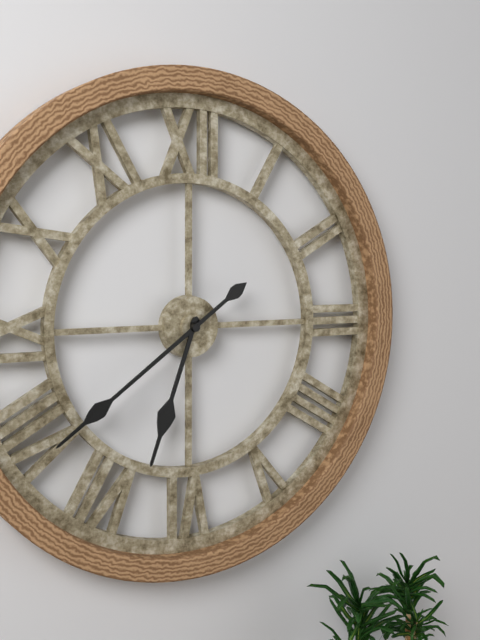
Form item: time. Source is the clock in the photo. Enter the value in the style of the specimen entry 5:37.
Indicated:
6:39
